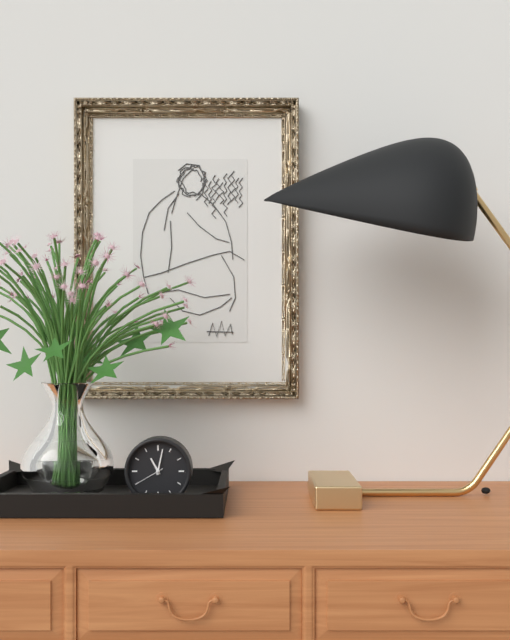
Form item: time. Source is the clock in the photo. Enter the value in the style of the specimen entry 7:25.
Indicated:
11:02
